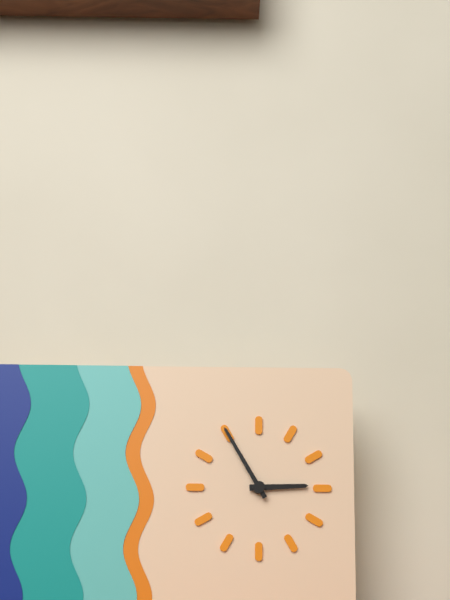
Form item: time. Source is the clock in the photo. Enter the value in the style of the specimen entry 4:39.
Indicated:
2:55
